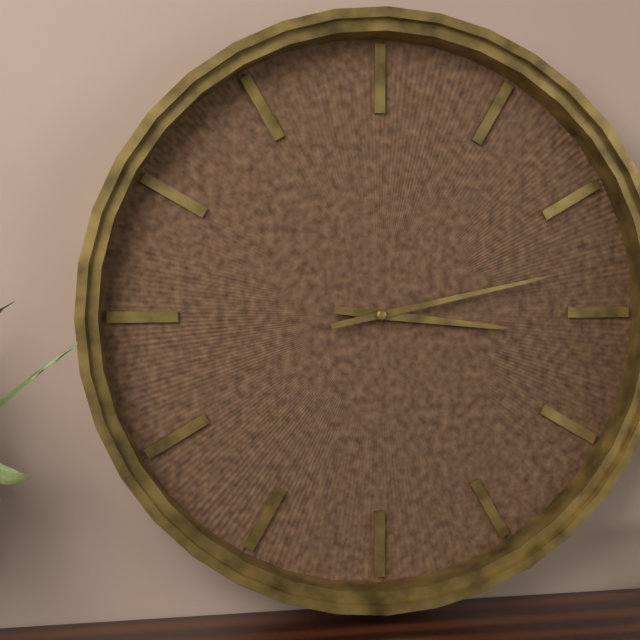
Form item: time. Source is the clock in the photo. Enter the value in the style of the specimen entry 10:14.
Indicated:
3:13
